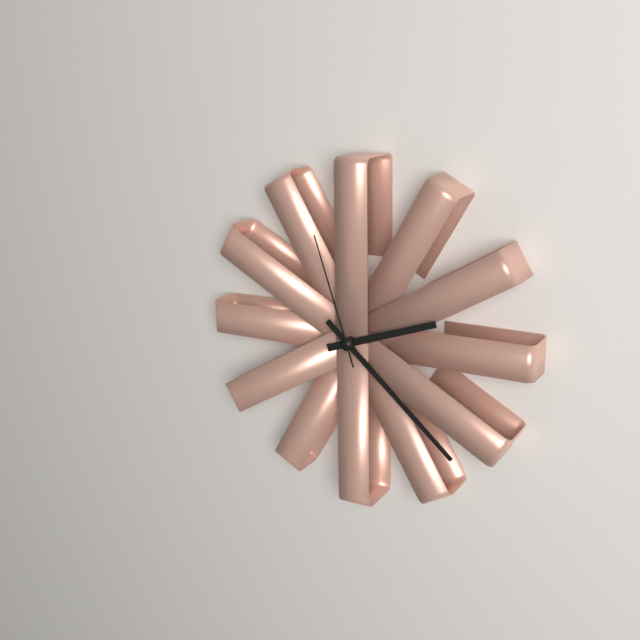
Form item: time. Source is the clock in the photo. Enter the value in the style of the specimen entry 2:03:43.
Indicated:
2:22:57
